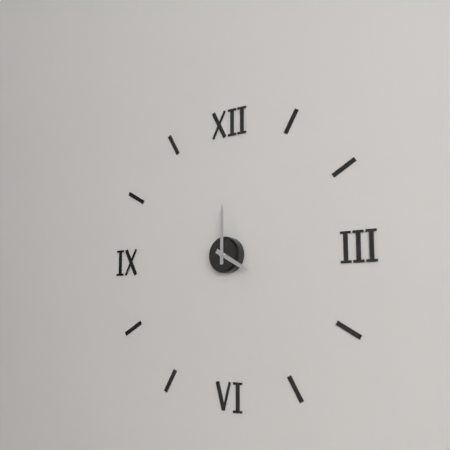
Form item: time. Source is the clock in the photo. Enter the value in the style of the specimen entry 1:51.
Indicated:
4:00
